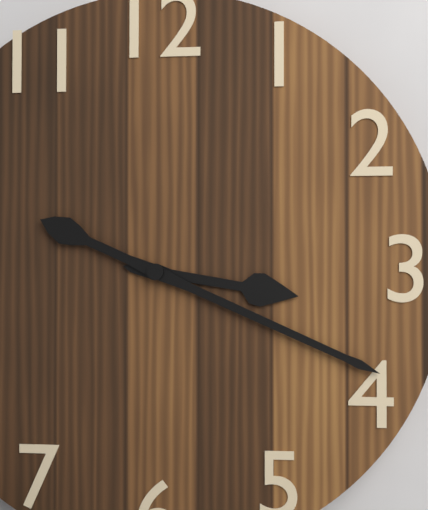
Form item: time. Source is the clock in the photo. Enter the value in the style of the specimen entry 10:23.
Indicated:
3:19
